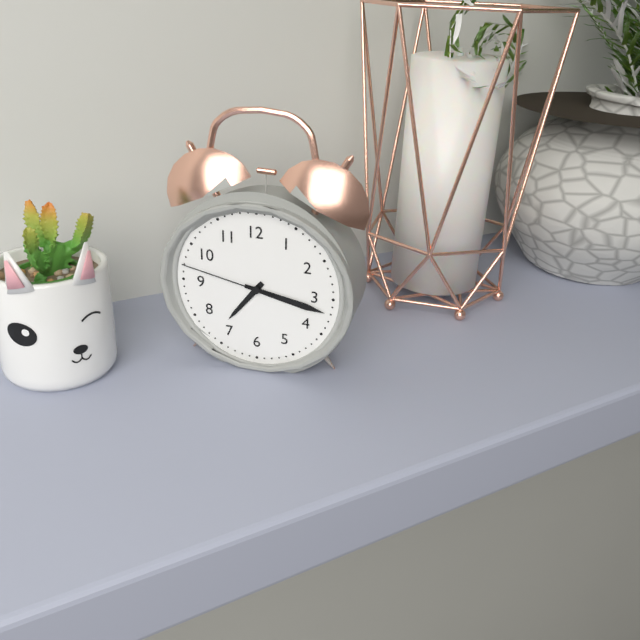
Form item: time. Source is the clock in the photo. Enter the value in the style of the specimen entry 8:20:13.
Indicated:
7:17:47
